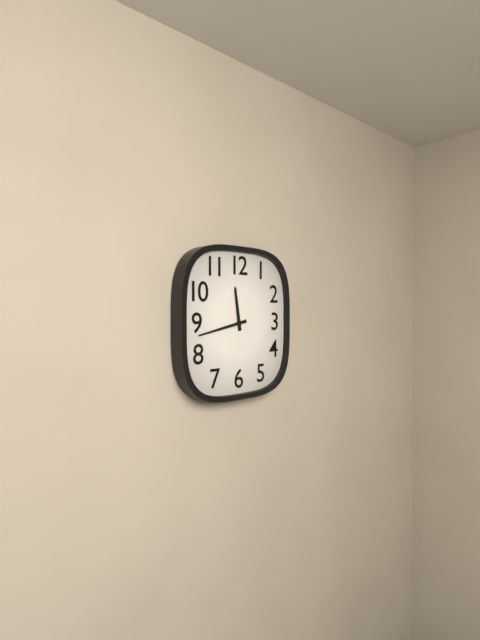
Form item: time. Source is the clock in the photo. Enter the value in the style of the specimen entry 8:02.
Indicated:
11:43
